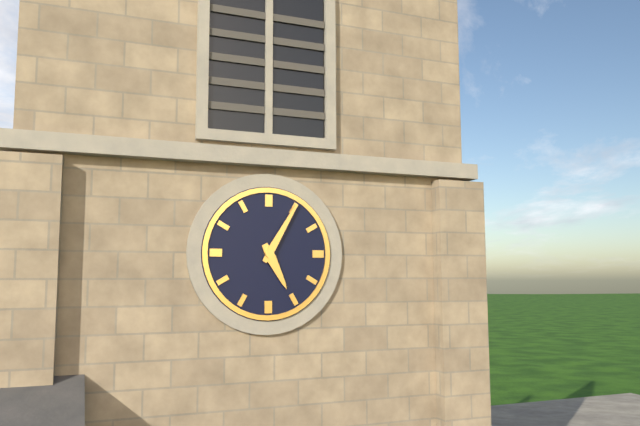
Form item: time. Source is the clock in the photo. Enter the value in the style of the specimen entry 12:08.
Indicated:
5:05
